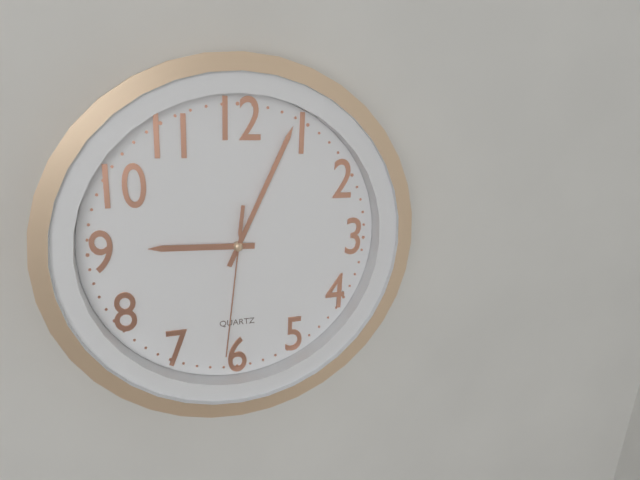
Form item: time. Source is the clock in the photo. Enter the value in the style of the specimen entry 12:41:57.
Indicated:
9:04:31
